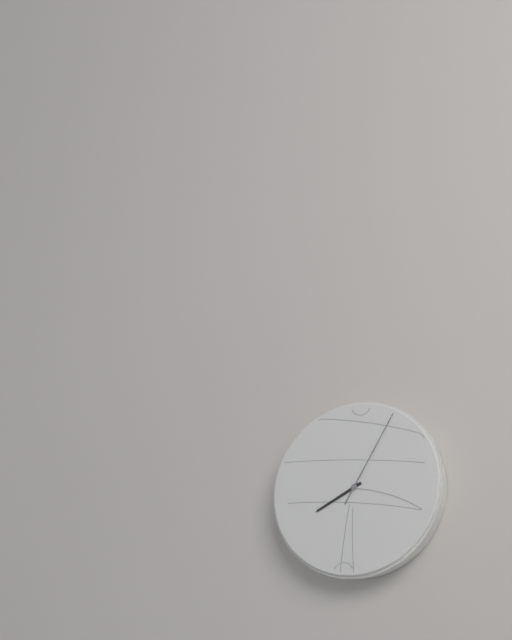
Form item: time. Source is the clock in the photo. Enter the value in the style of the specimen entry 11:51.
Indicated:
8:05
